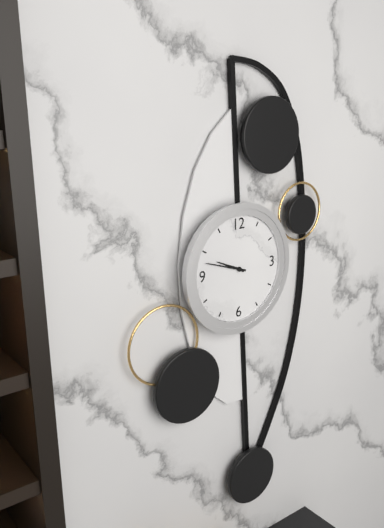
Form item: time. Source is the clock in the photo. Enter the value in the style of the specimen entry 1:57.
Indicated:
9:48
